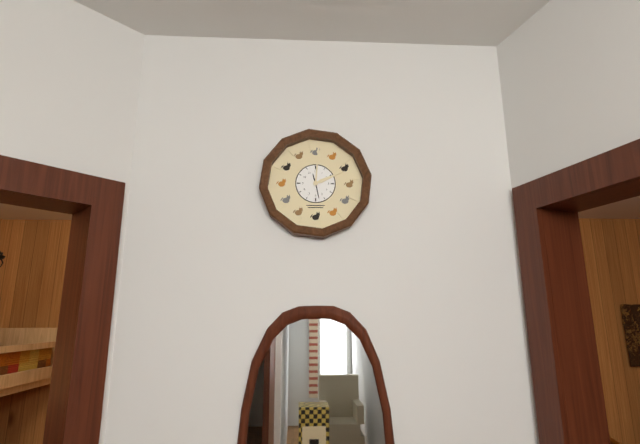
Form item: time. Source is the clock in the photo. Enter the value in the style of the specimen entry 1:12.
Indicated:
11:28
